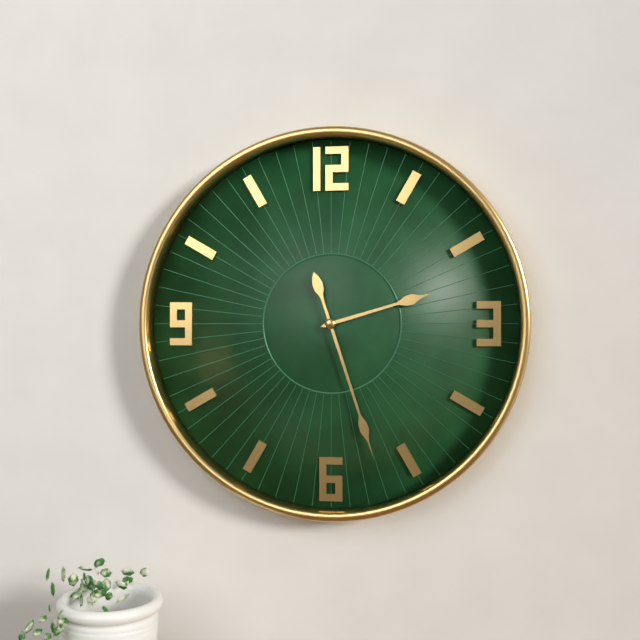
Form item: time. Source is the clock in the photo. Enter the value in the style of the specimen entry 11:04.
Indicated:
2:27
